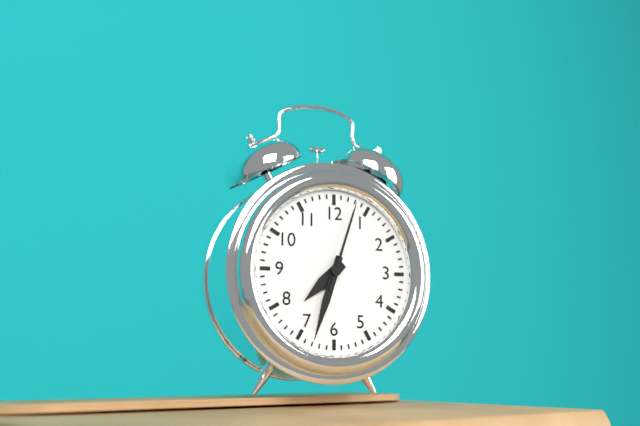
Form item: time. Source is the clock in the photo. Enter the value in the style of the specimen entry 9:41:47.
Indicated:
7:33:03
